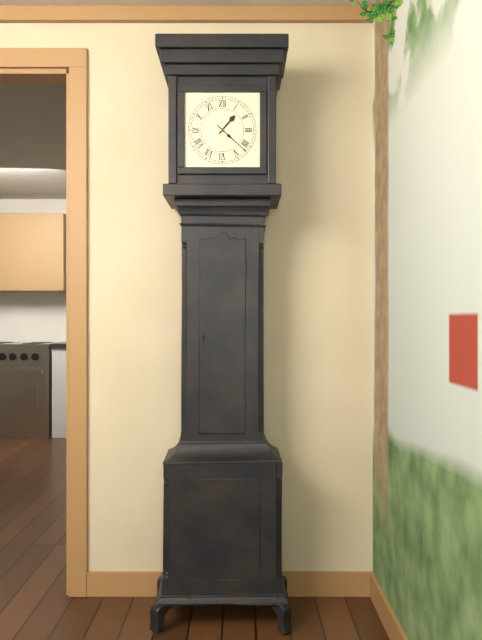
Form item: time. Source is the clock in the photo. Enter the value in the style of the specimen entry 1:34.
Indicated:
1:22
